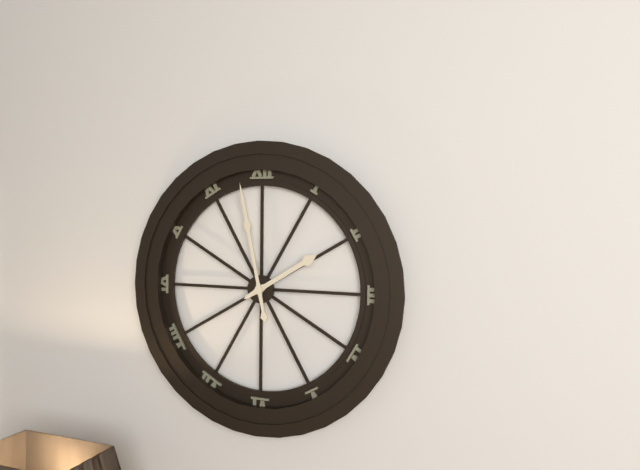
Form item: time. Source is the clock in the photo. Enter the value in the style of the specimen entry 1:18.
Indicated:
1:58
